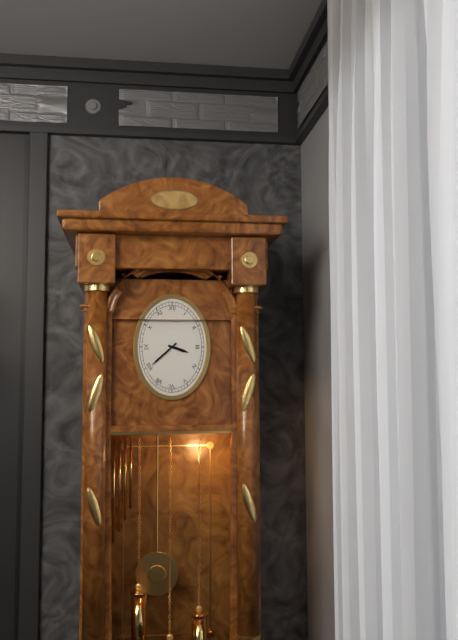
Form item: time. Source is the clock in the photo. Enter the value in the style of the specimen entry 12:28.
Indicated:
3:38
